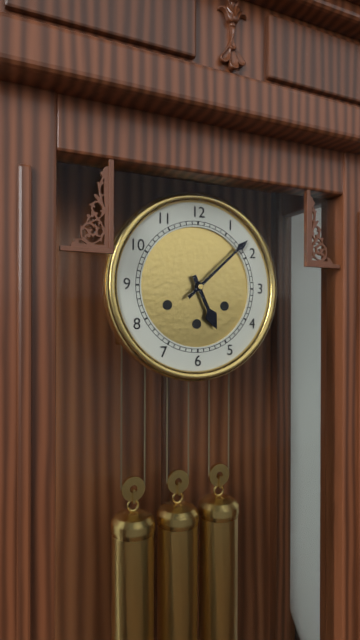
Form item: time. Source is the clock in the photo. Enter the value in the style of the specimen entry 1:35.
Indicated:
5:08
